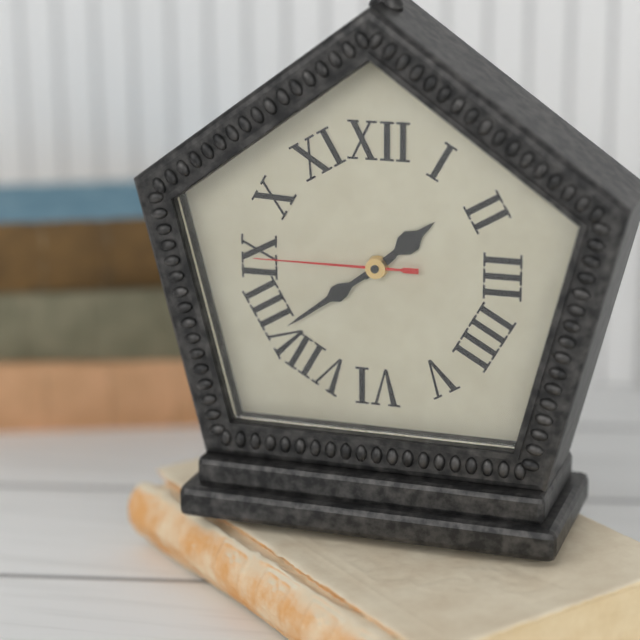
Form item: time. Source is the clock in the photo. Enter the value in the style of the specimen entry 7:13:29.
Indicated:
1:39:45
